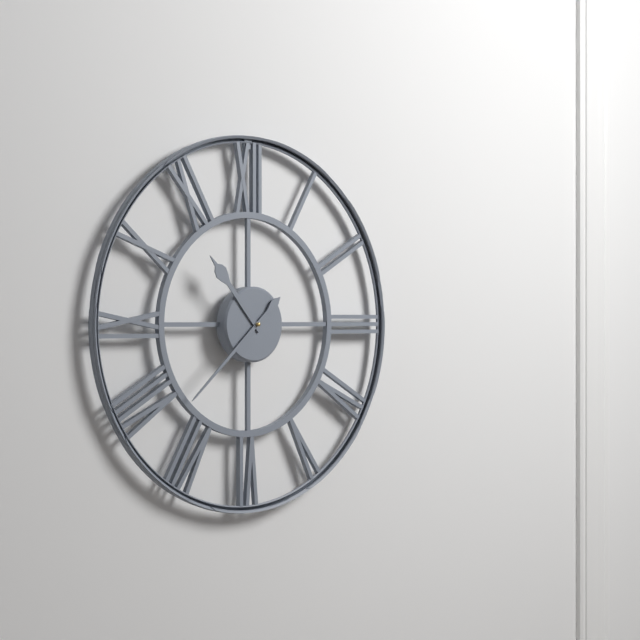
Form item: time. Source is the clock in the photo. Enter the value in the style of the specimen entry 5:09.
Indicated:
10:38
